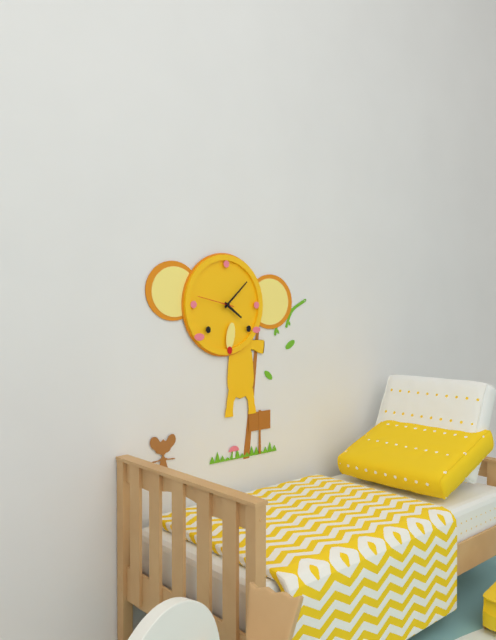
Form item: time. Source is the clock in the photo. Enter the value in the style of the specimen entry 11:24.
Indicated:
4:08
